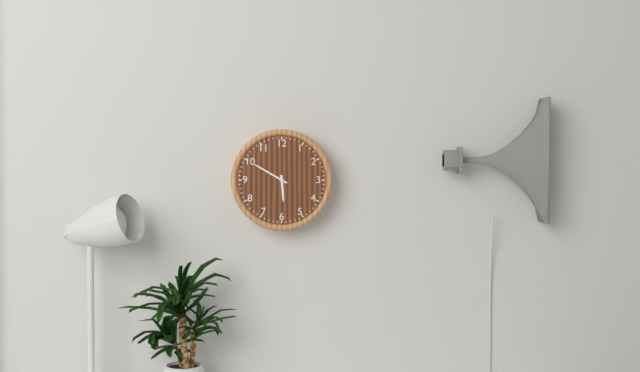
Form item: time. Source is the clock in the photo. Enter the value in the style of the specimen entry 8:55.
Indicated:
5:50
